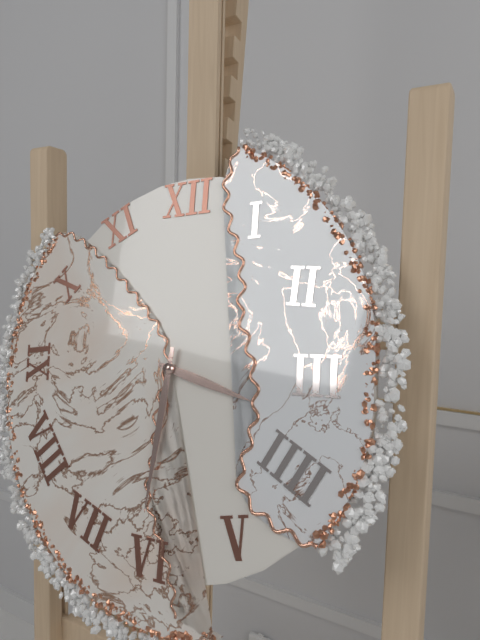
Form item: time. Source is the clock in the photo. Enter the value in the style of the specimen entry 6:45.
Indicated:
3:31
